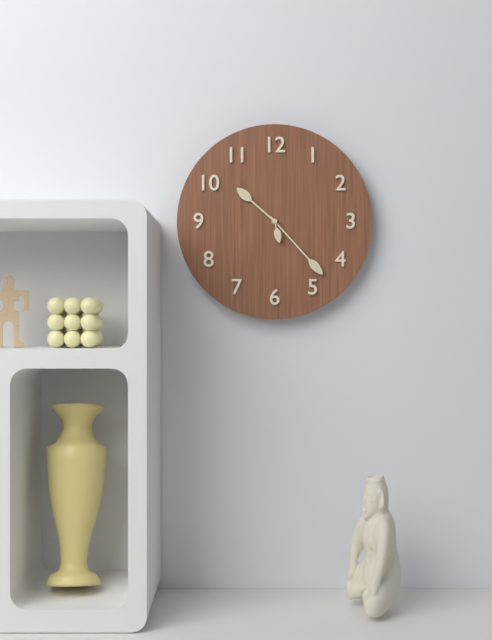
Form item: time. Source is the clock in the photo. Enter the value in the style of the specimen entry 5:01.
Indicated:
10:23
